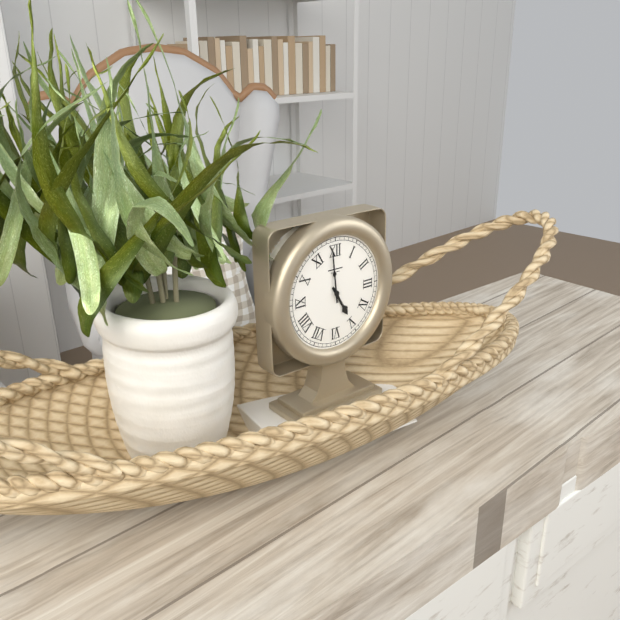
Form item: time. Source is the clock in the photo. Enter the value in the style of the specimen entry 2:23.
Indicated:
4:59
